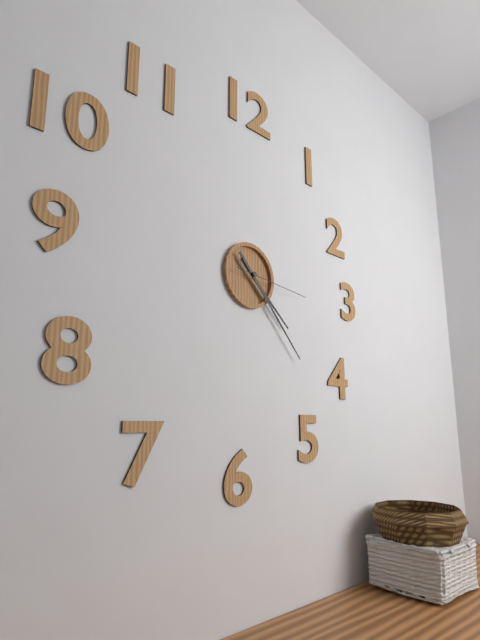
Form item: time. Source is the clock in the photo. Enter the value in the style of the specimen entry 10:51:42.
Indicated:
4:23:16
